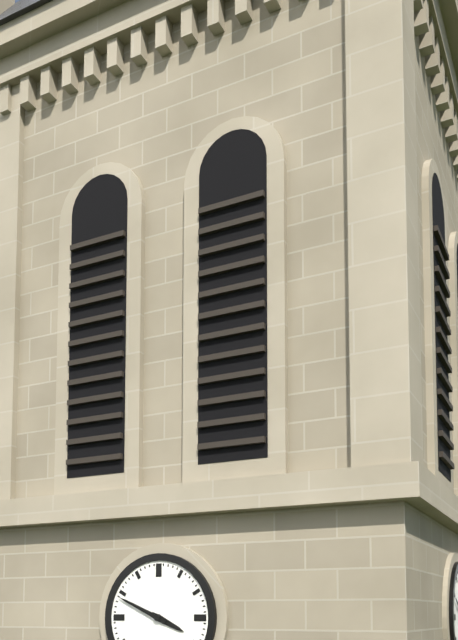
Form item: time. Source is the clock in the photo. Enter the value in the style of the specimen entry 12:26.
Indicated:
3:49
